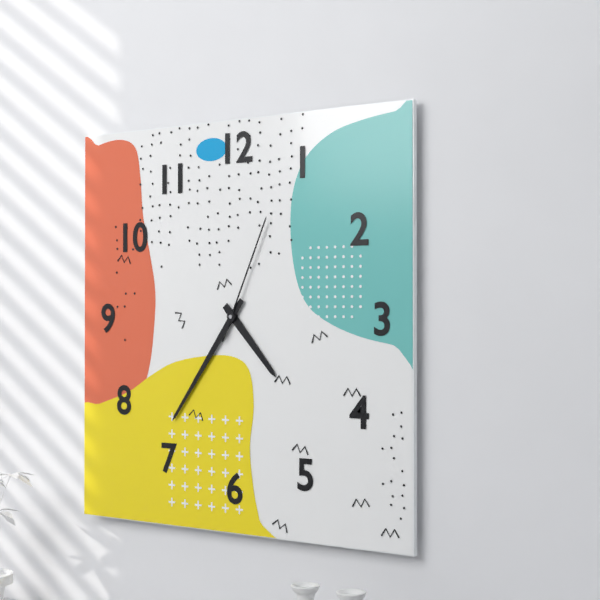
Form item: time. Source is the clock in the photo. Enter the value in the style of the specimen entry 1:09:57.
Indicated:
4:36:04
